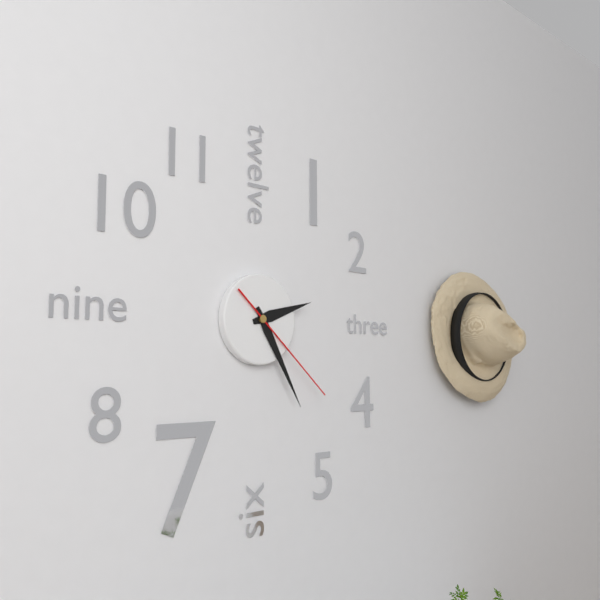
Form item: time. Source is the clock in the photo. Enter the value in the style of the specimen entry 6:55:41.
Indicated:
2:25:22
